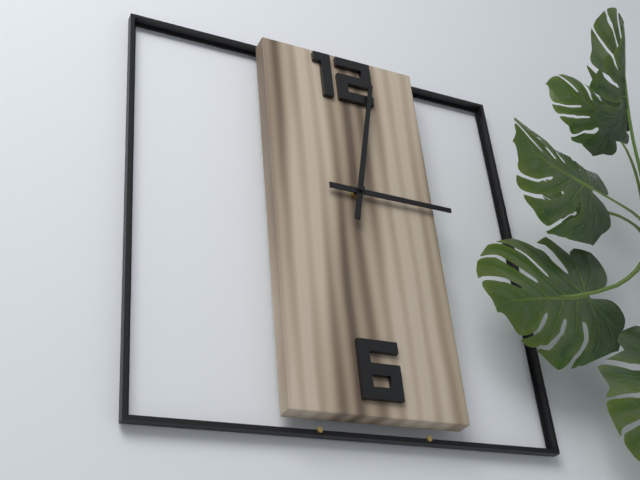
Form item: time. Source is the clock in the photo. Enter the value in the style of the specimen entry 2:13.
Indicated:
3:02
